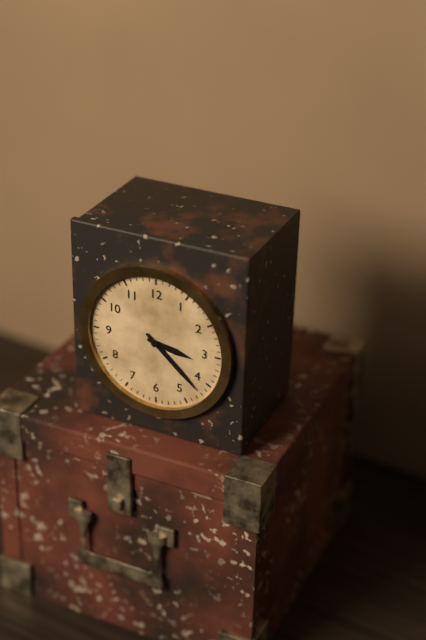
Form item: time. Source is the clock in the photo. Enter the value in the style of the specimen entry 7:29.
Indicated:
3:22
